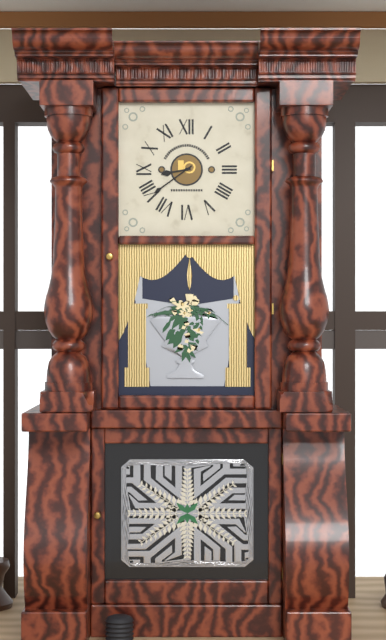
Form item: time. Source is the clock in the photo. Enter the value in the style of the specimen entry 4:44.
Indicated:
8:39
